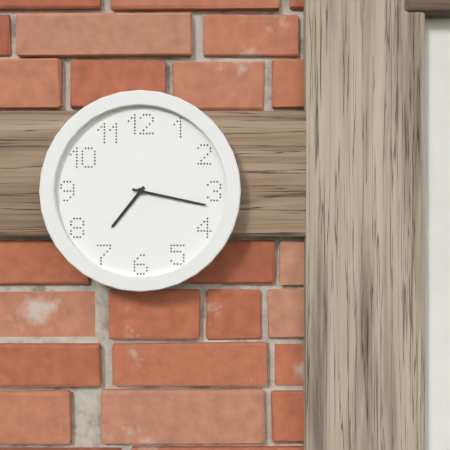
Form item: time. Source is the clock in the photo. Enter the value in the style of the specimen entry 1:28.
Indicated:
7:17
